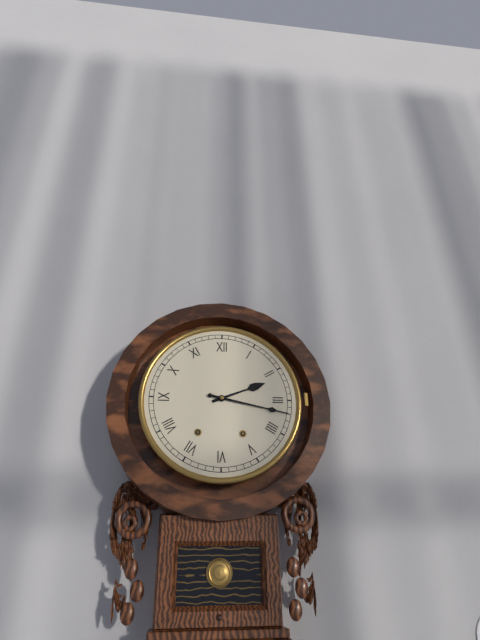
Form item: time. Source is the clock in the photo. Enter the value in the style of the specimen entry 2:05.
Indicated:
2:17
